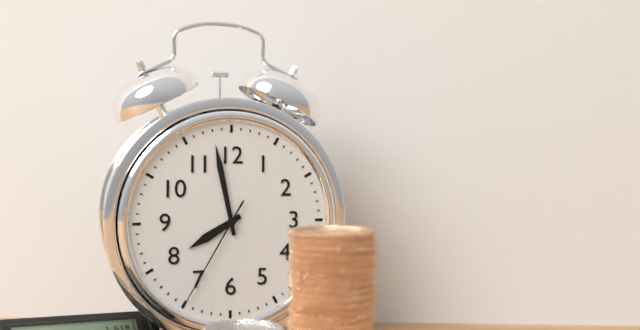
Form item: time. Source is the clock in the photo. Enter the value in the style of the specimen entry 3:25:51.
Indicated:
7:58:35
